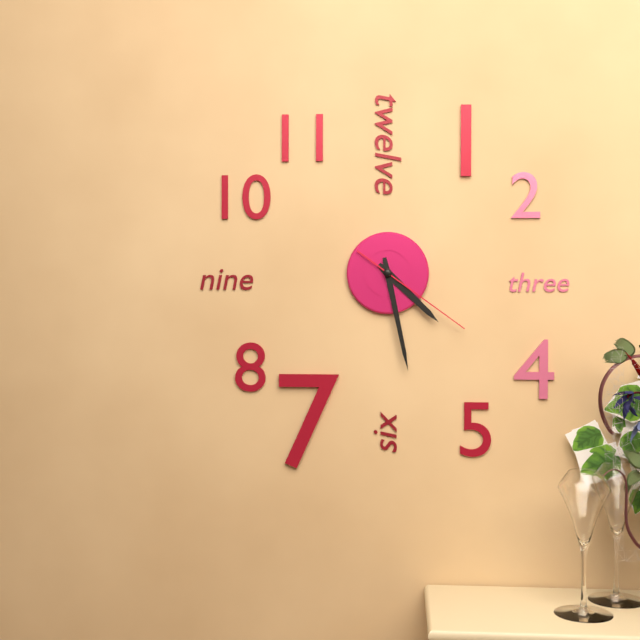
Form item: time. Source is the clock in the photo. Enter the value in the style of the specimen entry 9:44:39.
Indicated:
4:28:21
